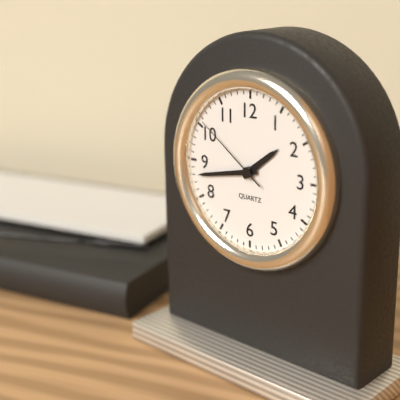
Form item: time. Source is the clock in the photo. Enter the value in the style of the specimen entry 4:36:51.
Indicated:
1:43:51
